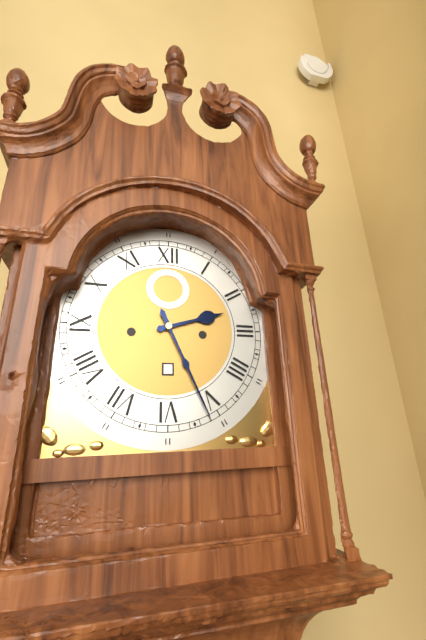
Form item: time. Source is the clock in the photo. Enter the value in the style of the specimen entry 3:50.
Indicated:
2:26
